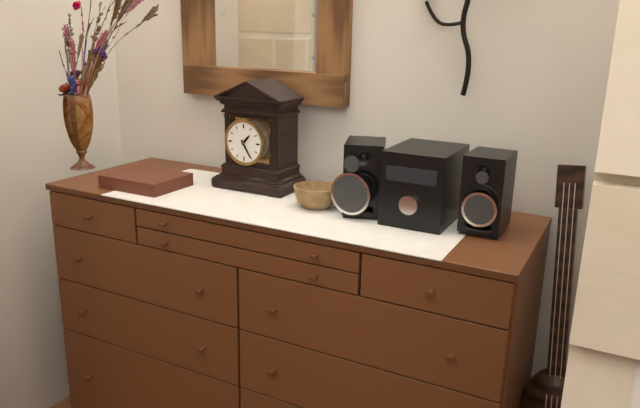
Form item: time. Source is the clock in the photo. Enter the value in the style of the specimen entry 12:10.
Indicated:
1:25
